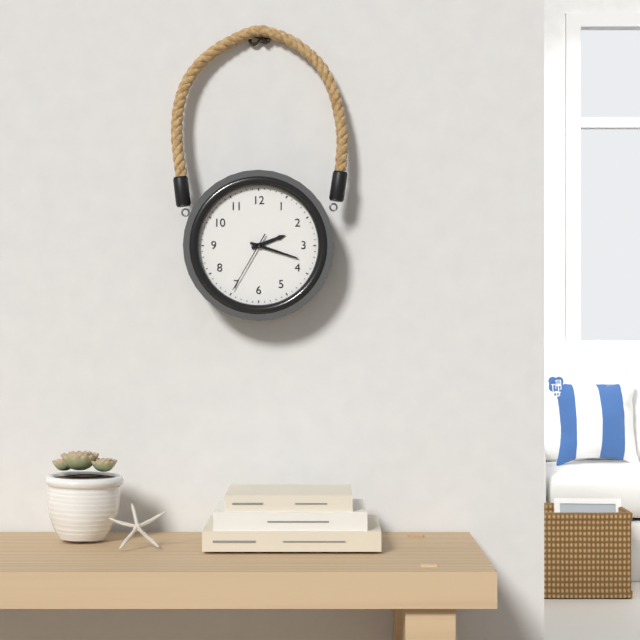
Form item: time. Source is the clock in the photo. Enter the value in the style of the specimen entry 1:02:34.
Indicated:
2:18:35
